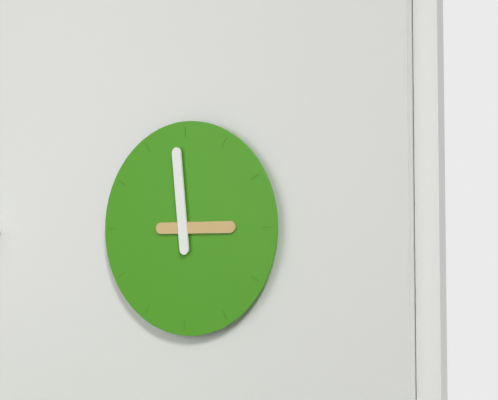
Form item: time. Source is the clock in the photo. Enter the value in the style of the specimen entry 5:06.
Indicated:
2:59
